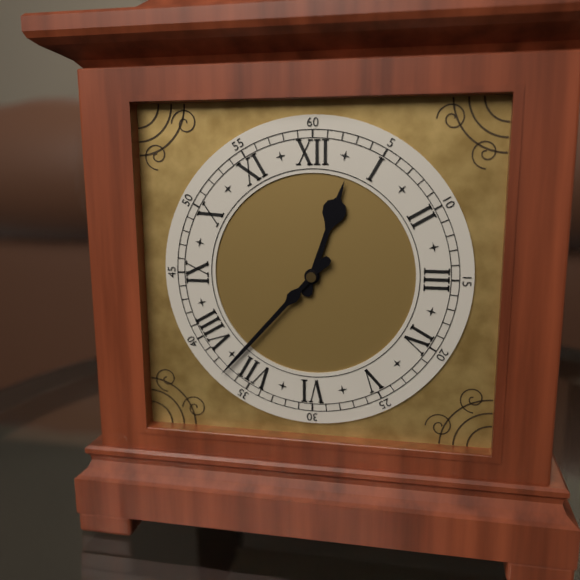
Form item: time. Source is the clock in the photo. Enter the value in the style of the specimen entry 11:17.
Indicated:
12:37
